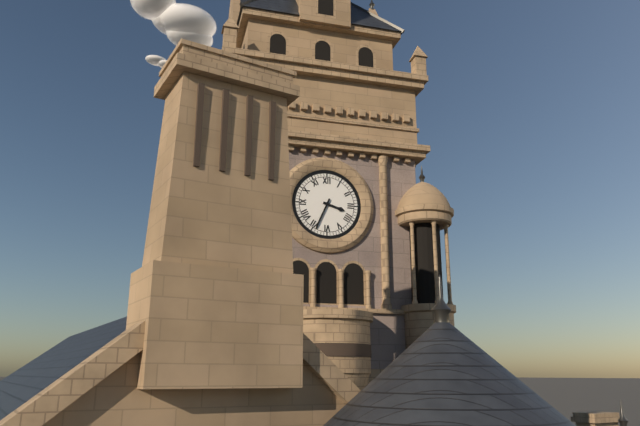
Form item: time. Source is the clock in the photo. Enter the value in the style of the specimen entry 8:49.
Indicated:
3:34
